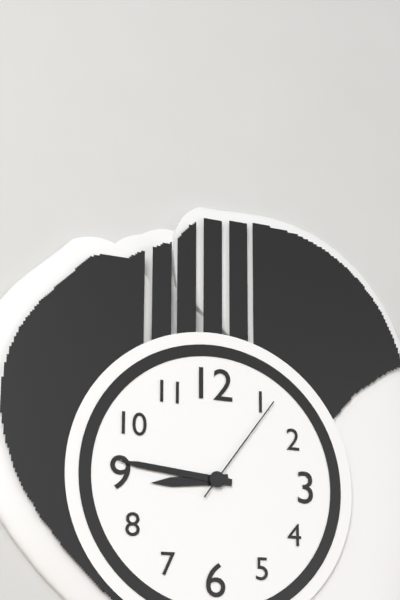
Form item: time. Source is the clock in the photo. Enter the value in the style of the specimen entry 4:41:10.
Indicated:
8:46:06
